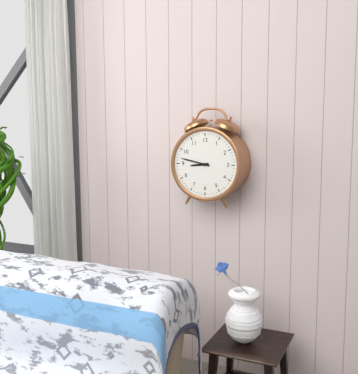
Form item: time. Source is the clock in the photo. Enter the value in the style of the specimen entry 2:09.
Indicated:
8:47
